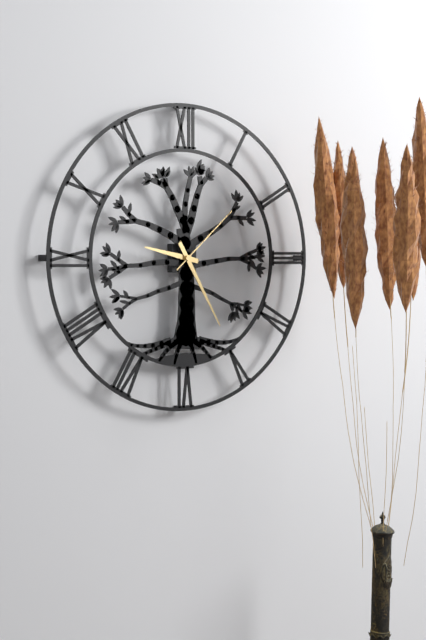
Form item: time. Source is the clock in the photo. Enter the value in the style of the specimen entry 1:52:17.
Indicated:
9:25:08
